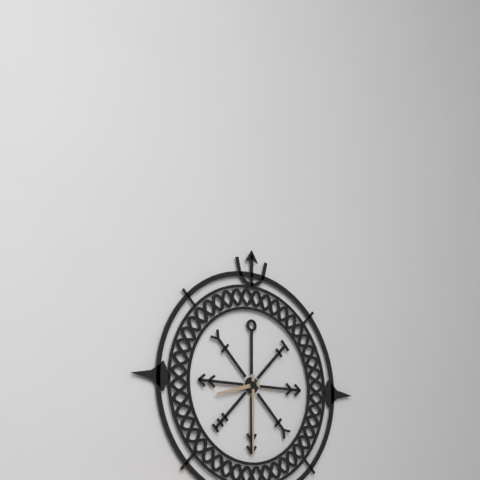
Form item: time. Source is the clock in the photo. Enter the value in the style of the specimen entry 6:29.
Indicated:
8:30
